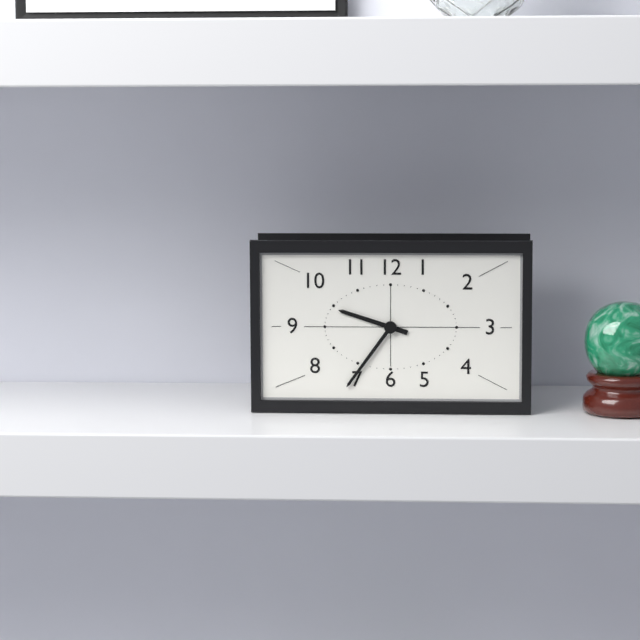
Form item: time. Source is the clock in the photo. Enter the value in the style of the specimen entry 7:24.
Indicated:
9:36
